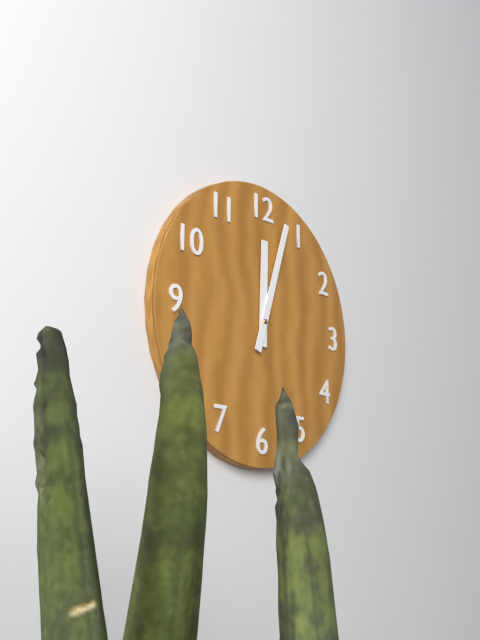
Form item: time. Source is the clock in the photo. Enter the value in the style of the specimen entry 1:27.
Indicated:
12:03
